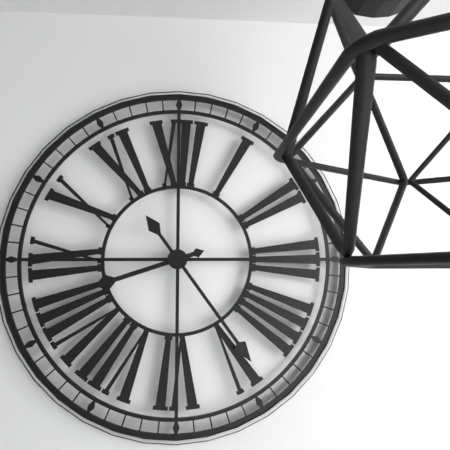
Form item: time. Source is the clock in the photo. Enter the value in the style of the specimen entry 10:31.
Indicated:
8:24
